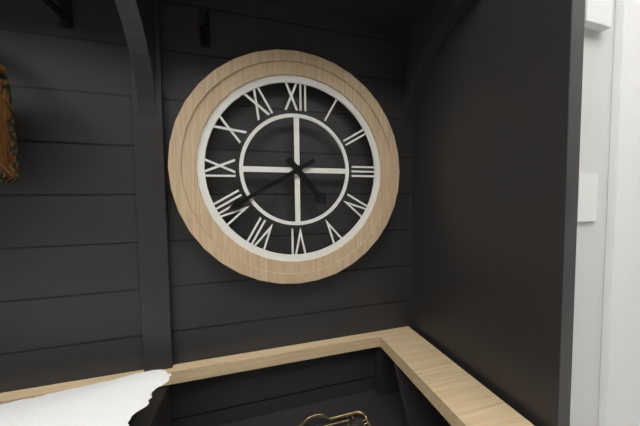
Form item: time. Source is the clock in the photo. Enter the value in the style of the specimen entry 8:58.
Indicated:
4:40
